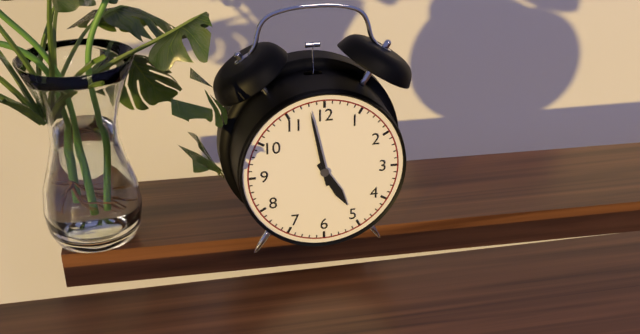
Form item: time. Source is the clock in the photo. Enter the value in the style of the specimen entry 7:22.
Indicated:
4:58
